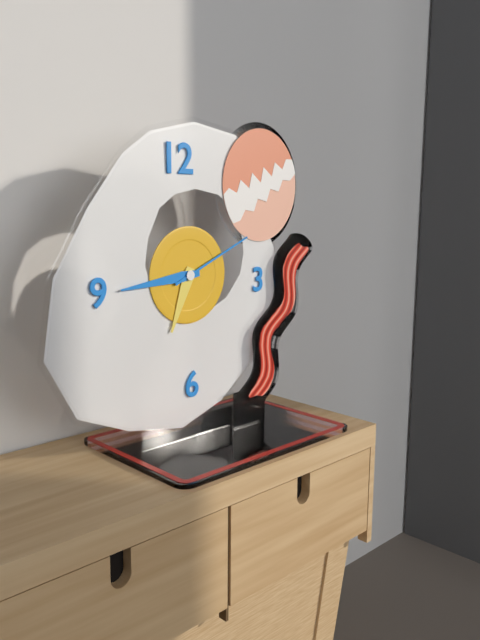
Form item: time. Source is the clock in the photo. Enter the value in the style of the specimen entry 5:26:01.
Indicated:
6:44:11
